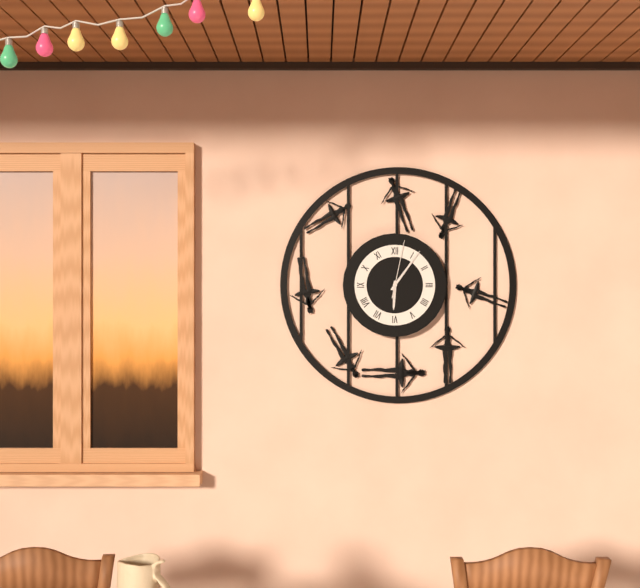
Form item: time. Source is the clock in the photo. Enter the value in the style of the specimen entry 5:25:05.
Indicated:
6:06:02
